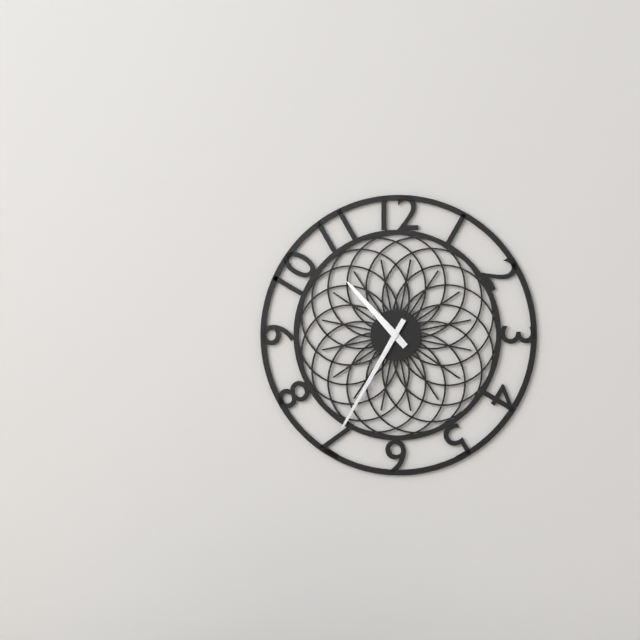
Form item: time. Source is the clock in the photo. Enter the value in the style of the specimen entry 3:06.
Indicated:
10:35
